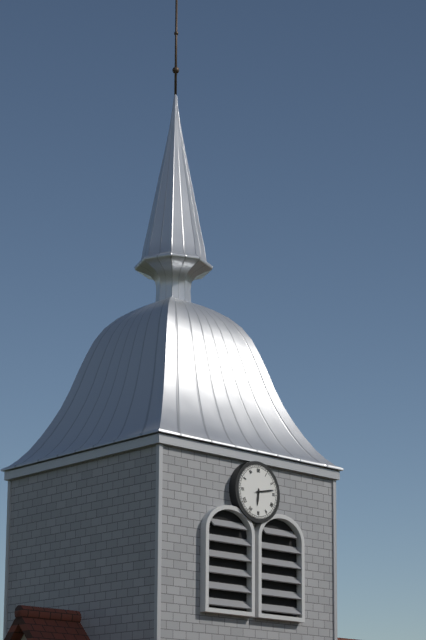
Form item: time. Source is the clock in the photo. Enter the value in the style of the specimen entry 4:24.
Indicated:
6:13
